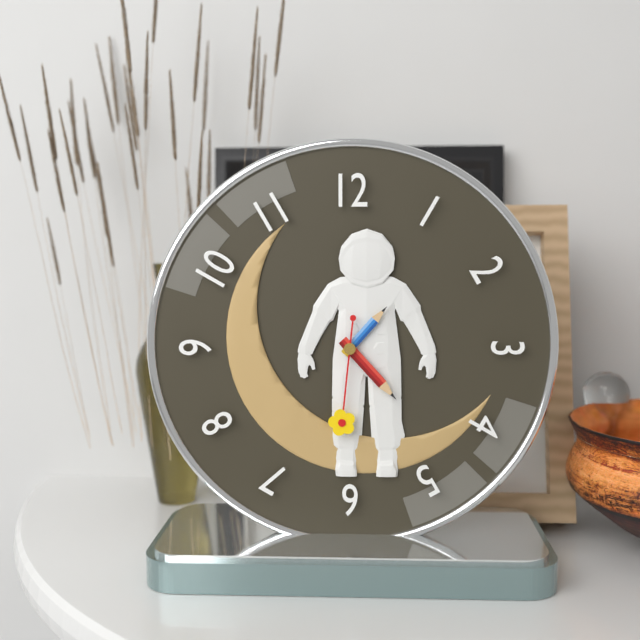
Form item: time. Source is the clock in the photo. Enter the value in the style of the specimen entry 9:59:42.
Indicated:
1:23:31
